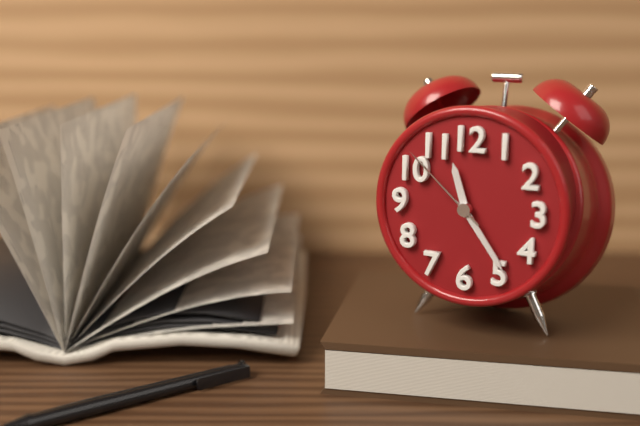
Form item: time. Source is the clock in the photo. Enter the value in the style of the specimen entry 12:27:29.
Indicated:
11:24:52
